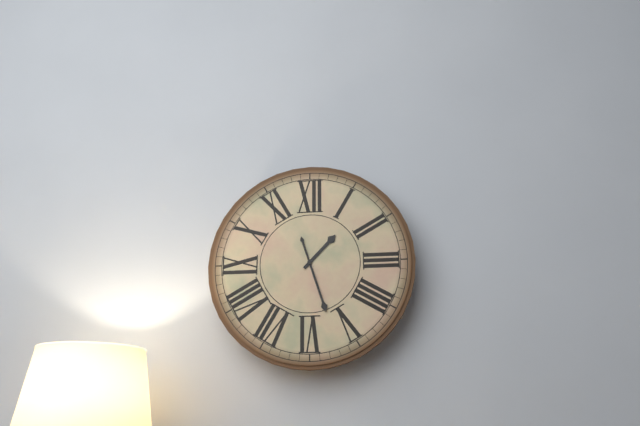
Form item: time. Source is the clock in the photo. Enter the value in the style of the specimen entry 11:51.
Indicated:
1:27
